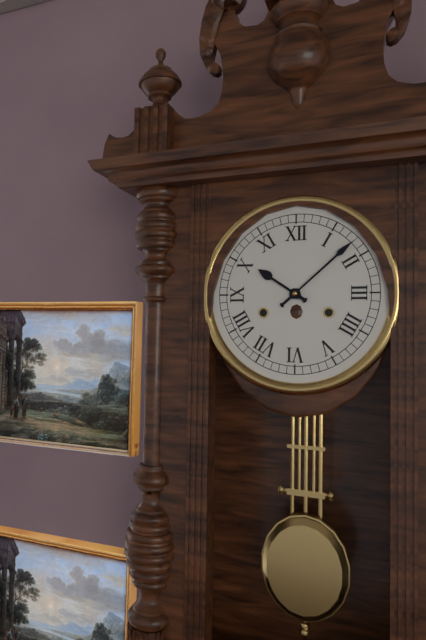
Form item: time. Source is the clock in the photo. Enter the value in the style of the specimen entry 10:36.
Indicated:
10:08
